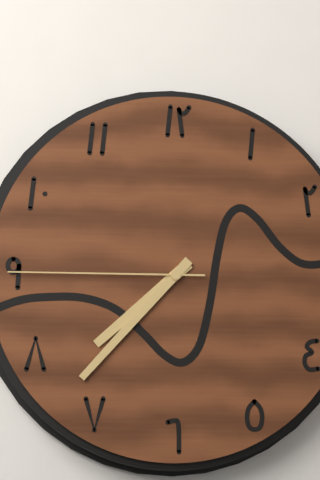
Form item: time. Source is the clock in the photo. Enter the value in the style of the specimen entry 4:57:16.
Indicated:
7:37:45
